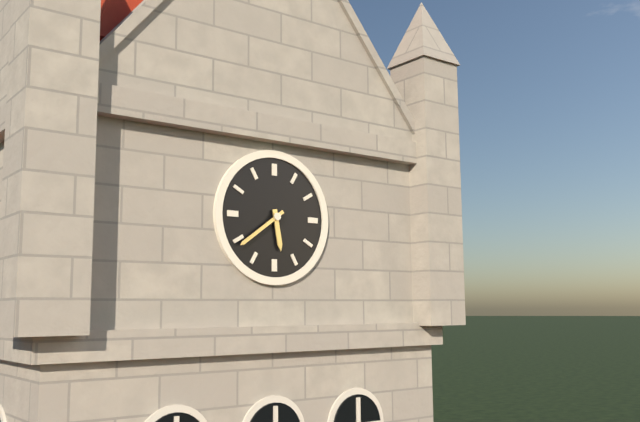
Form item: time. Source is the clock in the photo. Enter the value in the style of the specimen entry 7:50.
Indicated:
5:39
